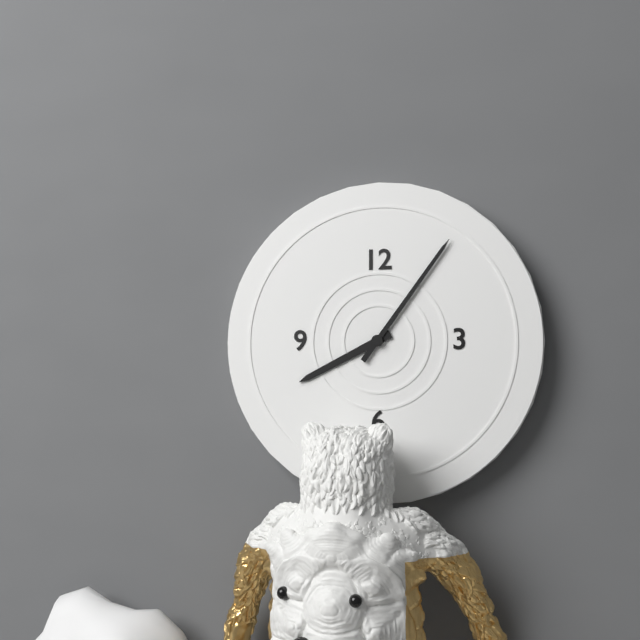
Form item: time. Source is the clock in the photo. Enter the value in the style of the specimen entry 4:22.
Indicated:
8:06
